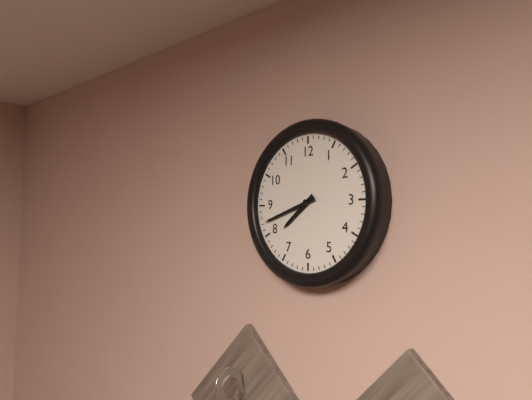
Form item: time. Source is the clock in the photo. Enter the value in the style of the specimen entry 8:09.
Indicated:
7:42
